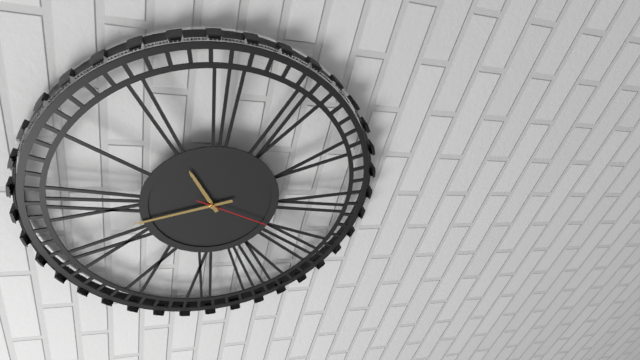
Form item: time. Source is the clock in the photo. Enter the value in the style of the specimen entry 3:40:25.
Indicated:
1:57:34
